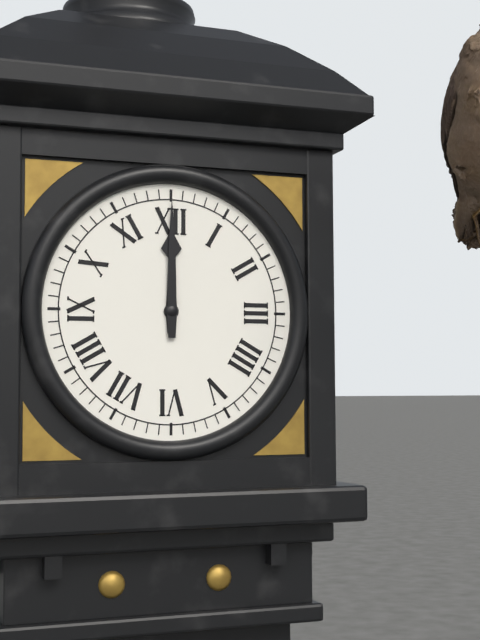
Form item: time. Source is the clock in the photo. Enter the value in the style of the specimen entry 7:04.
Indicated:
12:00
